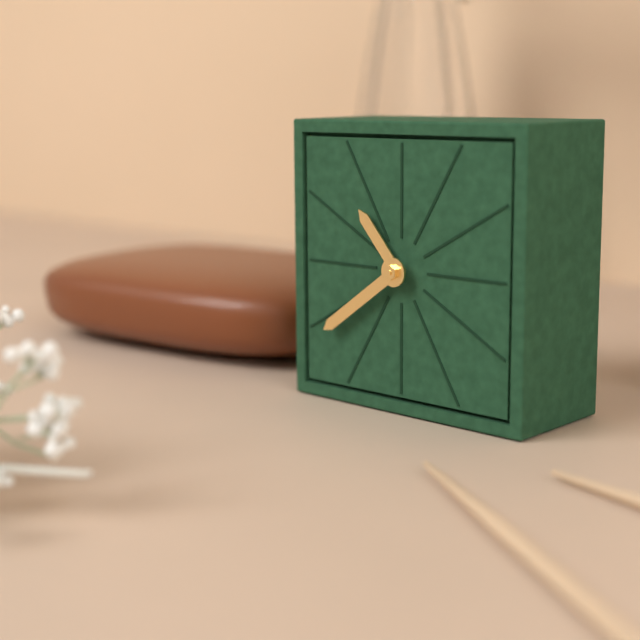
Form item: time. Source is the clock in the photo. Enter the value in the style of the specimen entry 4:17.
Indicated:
10:39
